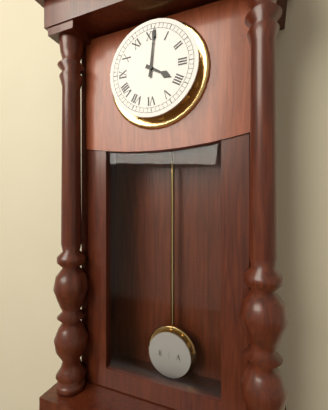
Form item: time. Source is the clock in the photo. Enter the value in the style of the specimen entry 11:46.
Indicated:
4:01
